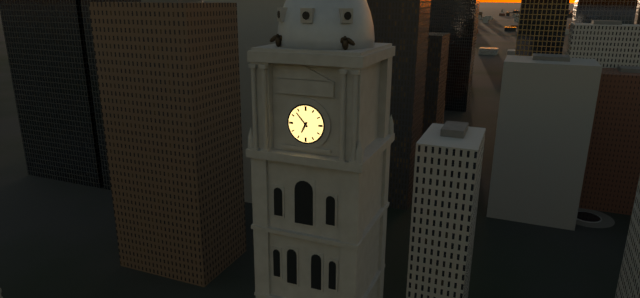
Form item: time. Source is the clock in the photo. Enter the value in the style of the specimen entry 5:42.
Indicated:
6:53
